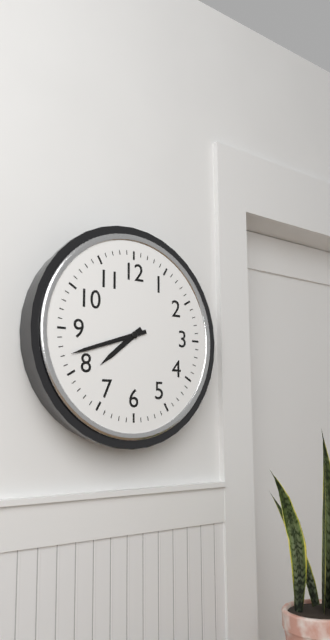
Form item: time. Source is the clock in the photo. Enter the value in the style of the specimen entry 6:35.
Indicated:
7:42
